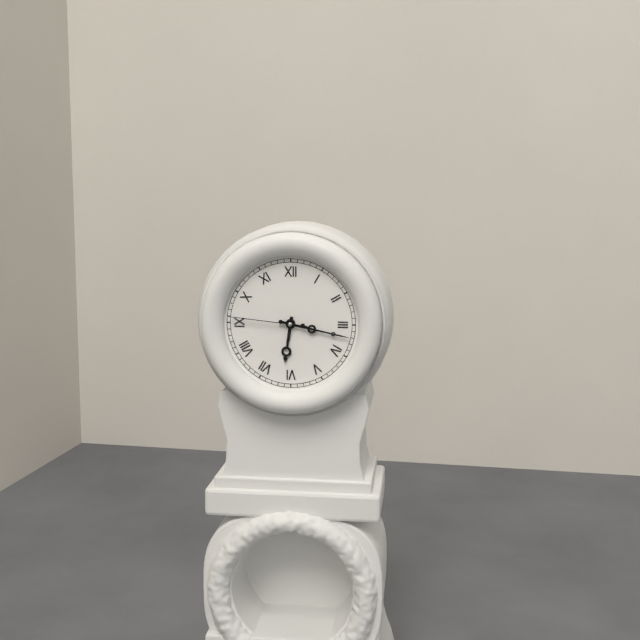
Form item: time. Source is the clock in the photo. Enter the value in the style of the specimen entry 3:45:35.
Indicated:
6:17:46
